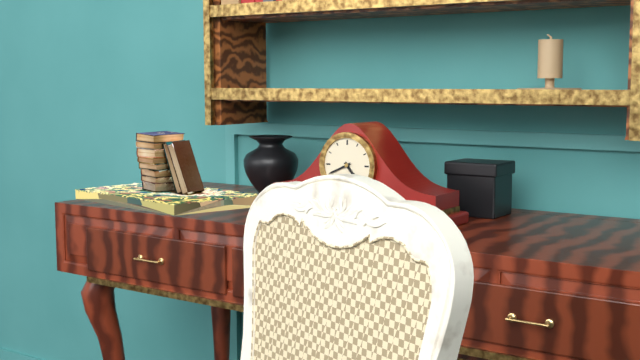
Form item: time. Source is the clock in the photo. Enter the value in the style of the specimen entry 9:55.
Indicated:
4:41
